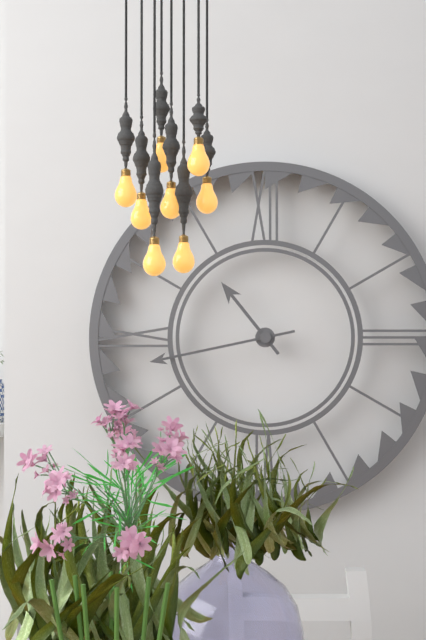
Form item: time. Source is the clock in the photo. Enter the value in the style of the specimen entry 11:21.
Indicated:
10:43
